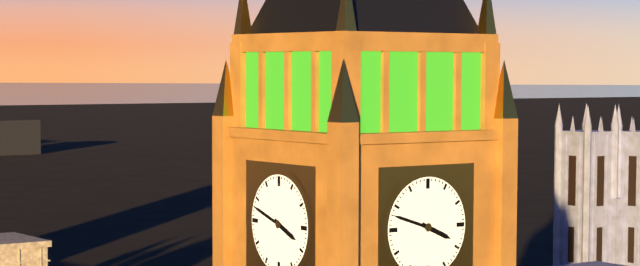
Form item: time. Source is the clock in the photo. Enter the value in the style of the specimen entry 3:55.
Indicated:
3:48
